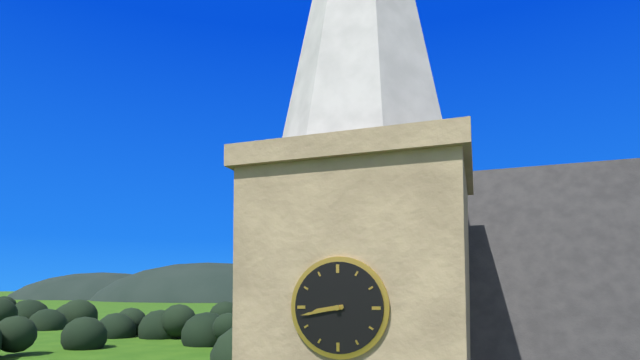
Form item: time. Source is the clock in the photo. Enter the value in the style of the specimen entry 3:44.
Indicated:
8:43
